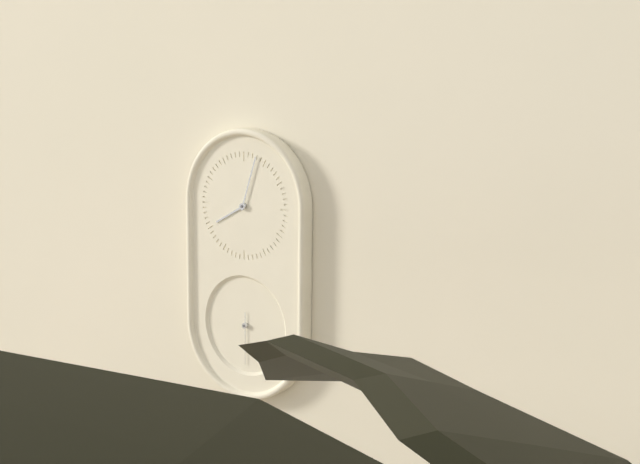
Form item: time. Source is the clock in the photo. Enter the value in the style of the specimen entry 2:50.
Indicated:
8:03
